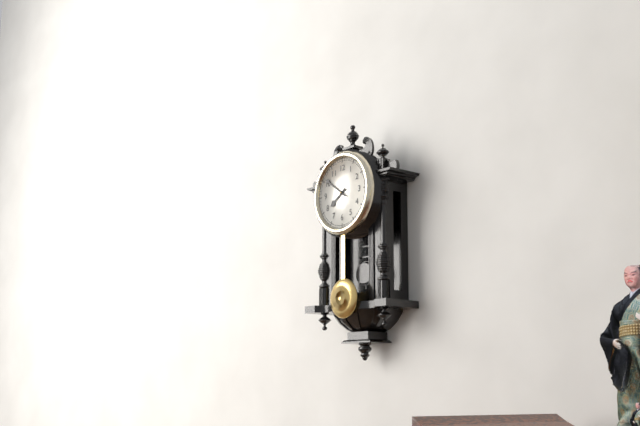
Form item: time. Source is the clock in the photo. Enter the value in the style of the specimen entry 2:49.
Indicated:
7:51
